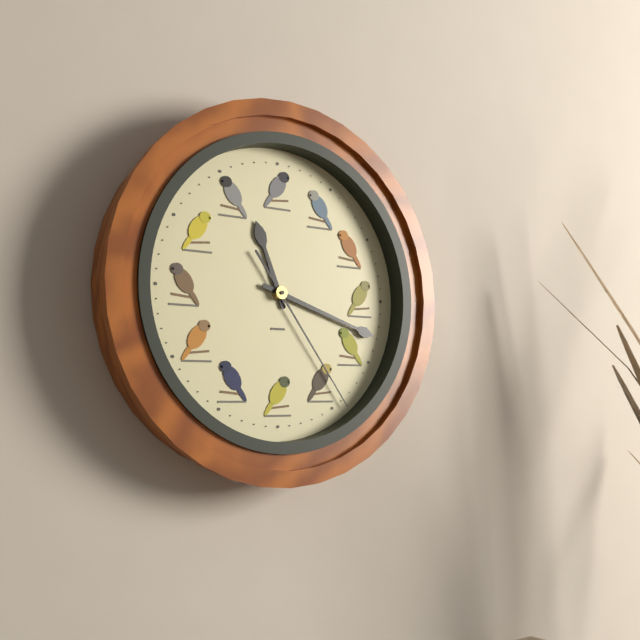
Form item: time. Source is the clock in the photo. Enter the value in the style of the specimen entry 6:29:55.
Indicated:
11:18:24
